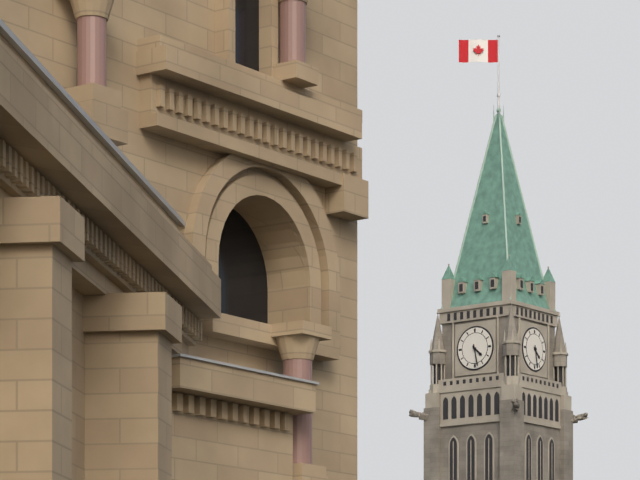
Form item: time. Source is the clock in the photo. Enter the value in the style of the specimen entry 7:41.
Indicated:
4:28
